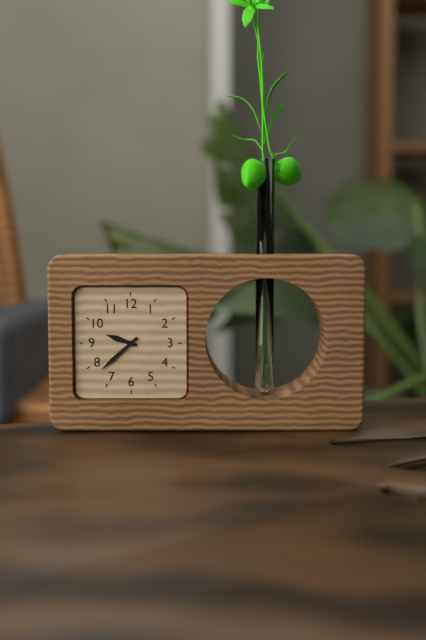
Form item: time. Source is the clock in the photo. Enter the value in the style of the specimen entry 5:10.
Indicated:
9:38
